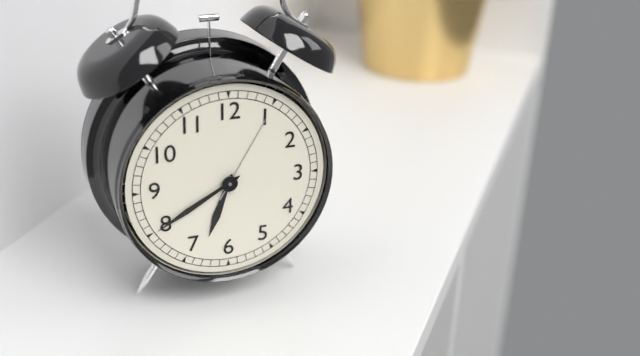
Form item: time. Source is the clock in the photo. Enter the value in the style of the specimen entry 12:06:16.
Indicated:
6:40:05
